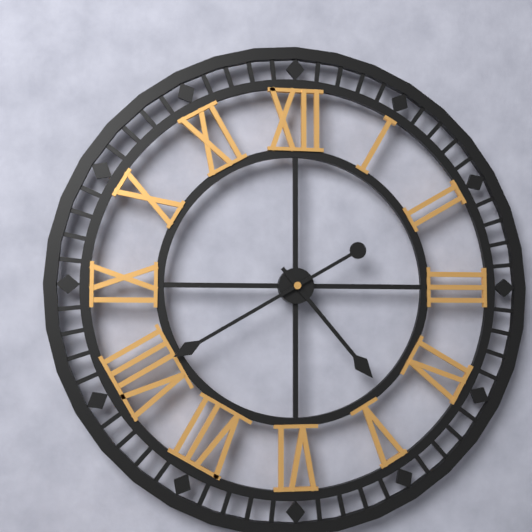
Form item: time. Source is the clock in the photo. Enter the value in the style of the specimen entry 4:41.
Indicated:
4:40
